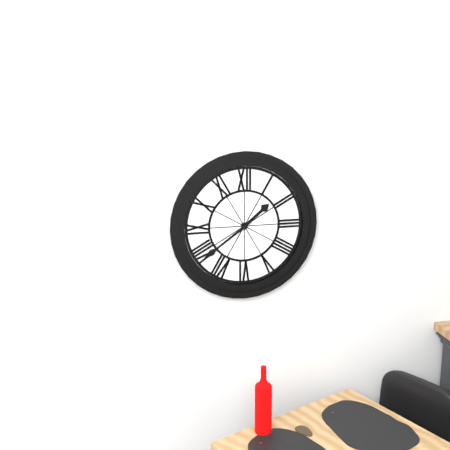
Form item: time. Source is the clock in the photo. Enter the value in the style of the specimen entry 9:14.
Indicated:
1:39
